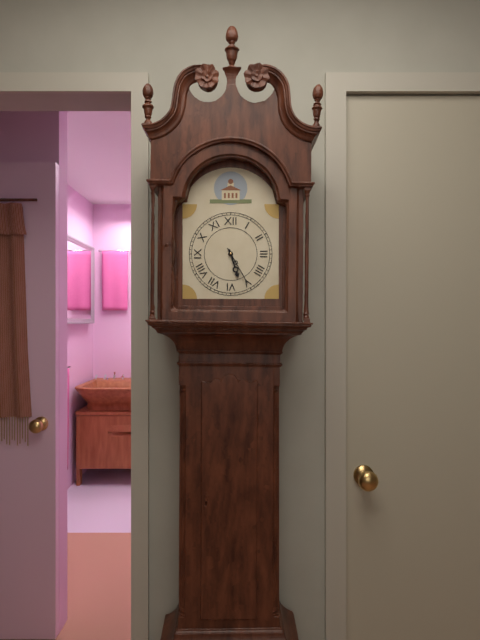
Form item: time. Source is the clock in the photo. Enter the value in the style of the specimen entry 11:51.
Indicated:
5:25
